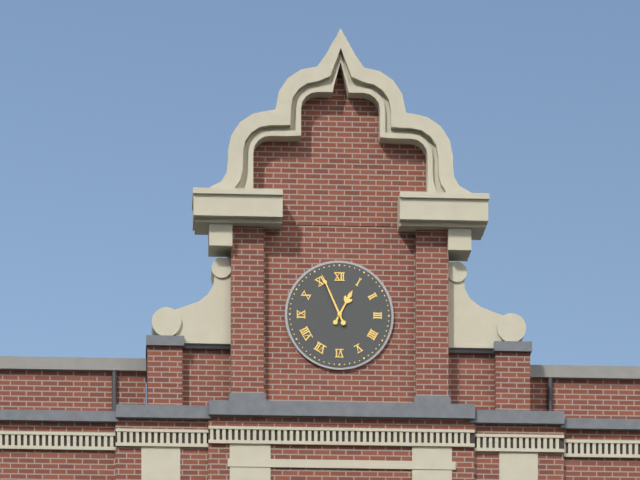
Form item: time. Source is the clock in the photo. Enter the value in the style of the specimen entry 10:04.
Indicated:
12:56
